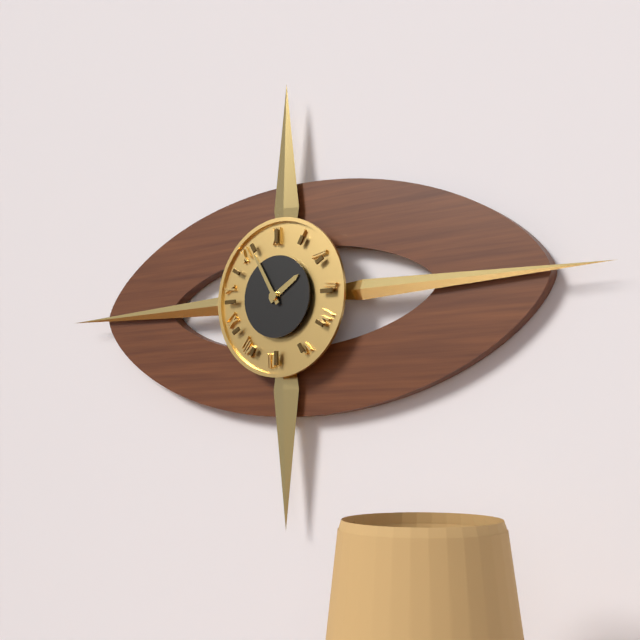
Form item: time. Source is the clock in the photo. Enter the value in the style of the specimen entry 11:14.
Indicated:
1:55
